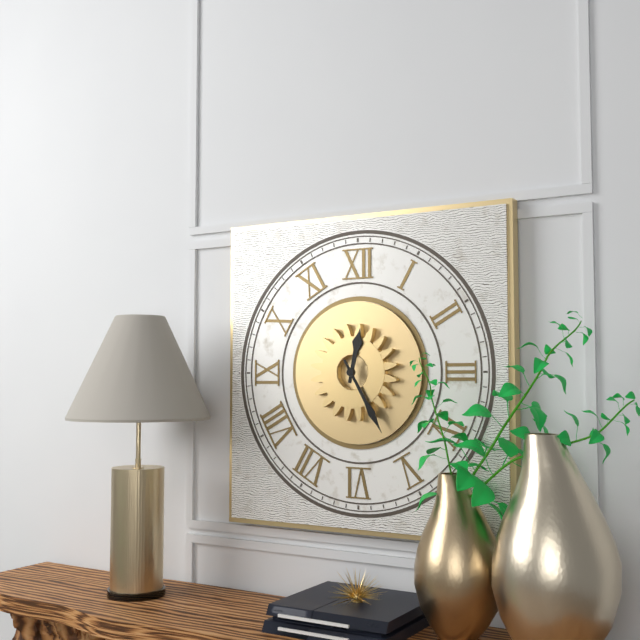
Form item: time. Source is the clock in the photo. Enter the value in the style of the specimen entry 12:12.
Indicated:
12:25
